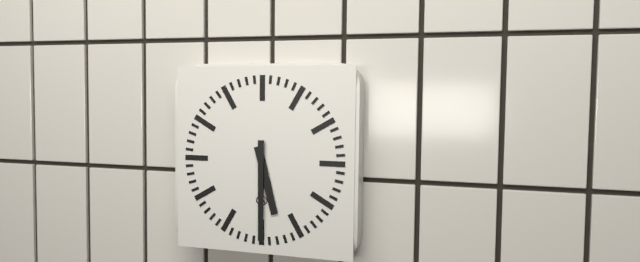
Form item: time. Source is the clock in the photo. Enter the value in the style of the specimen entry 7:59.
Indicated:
5:30
